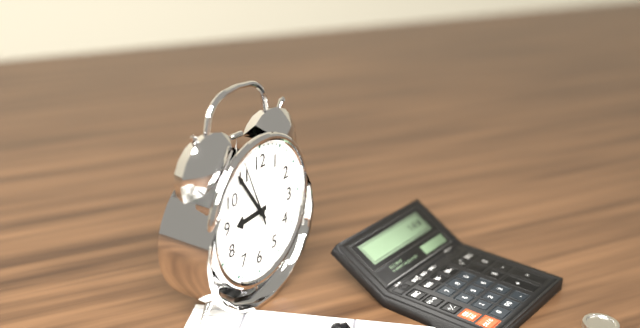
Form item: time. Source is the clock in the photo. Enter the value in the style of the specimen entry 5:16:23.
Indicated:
8:54:56
